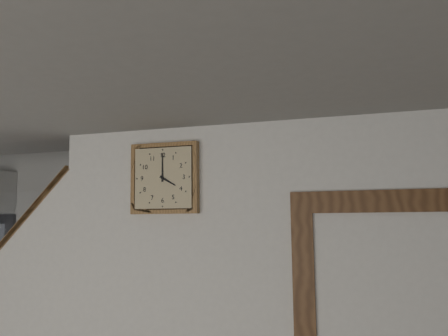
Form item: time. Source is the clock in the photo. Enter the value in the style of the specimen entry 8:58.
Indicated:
4:00
